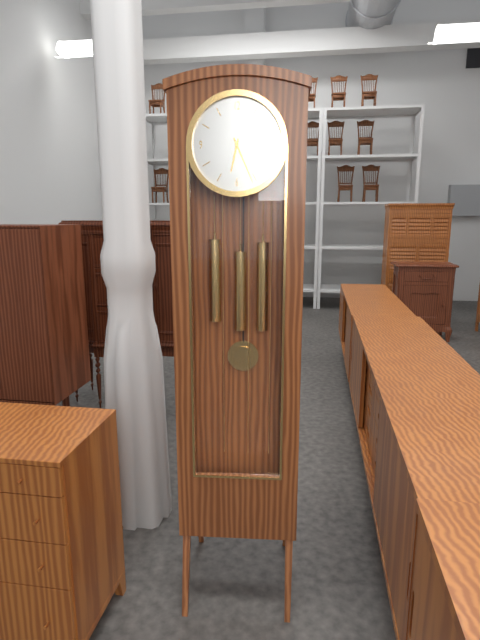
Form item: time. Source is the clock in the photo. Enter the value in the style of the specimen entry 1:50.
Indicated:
6:26
